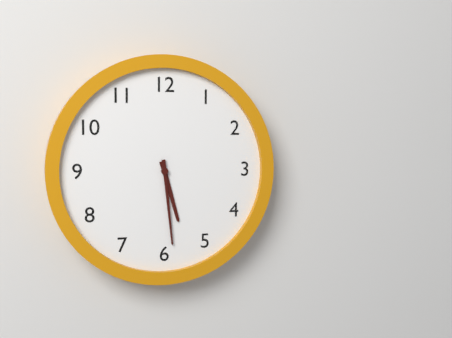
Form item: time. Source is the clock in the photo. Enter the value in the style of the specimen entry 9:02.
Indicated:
5:29
